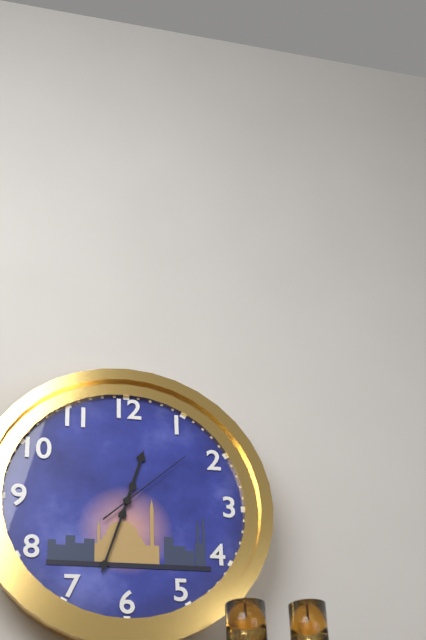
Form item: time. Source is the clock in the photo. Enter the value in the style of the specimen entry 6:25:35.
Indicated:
12:33:08
